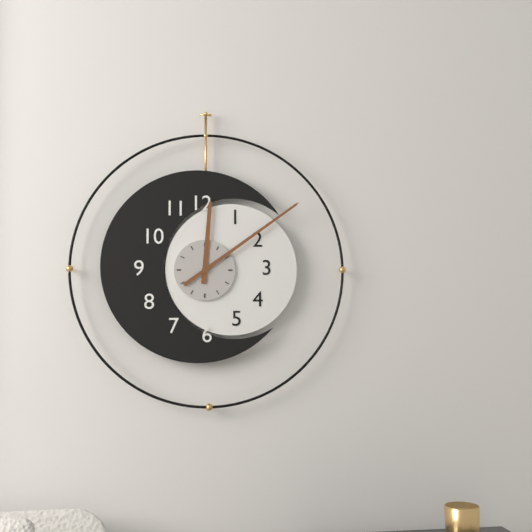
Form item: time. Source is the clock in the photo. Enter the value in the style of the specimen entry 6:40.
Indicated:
12:09
